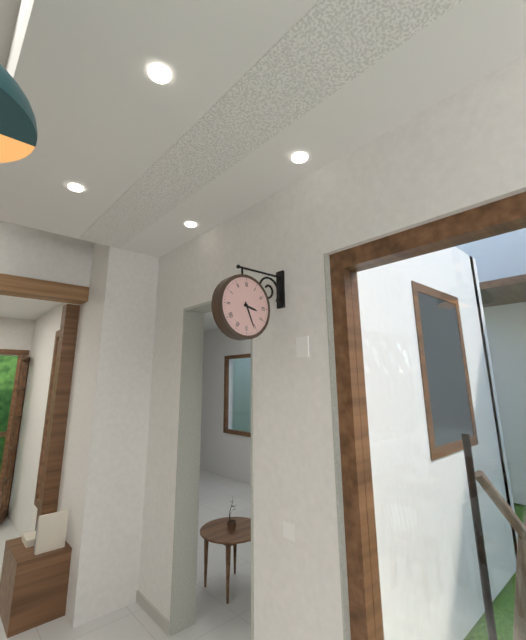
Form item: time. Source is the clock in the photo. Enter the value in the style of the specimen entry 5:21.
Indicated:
3:26
